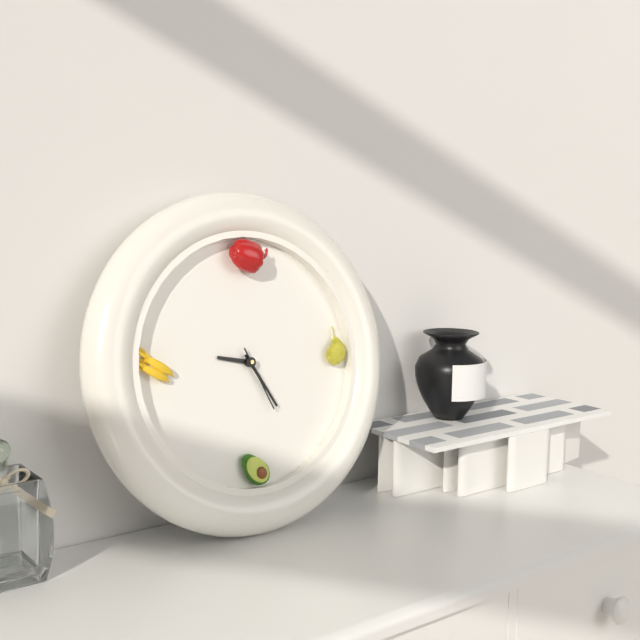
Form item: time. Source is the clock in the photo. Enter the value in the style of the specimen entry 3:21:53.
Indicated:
9:25:26
